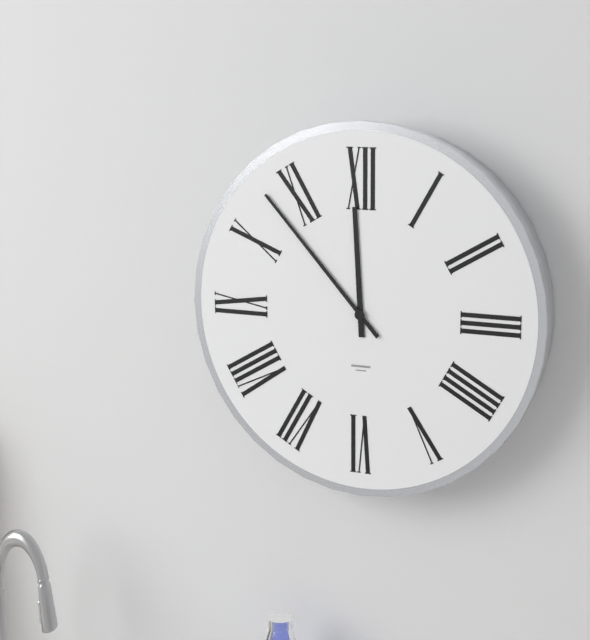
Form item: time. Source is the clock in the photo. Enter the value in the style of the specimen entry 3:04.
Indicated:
11:53
